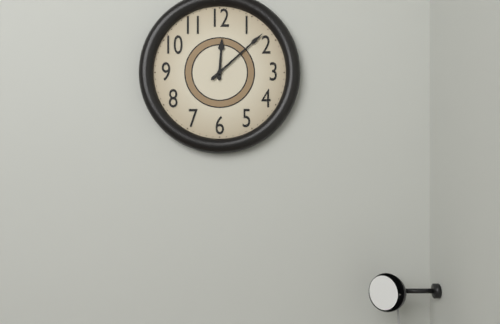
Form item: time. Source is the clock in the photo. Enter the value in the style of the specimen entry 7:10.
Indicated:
12:08
